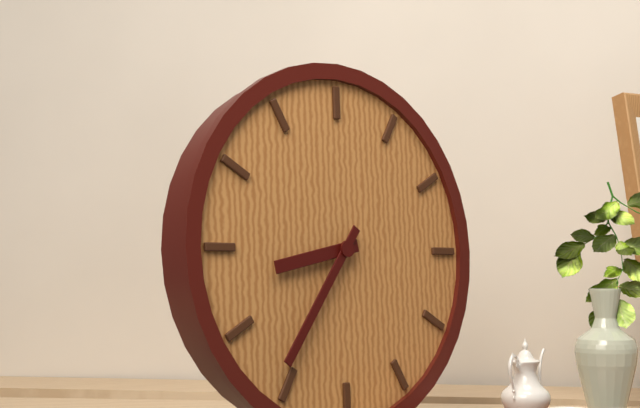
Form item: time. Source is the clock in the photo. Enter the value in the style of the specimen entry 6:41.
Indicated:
8:36
